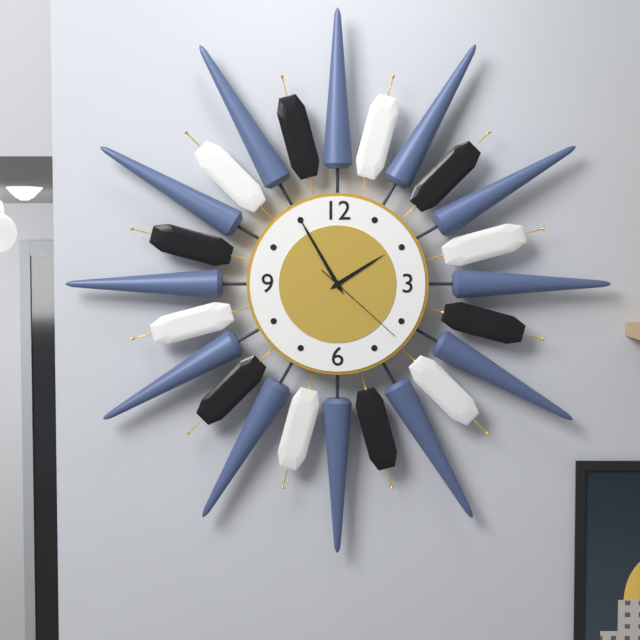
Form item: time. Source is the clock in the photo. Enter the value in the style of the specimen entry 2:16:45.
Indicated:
1:55:22
